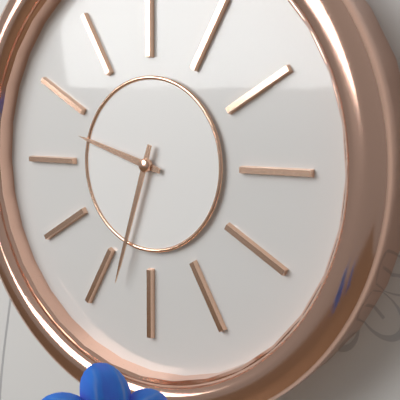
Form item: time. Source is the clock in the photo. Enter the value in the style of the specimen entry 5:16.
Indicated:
9:33
